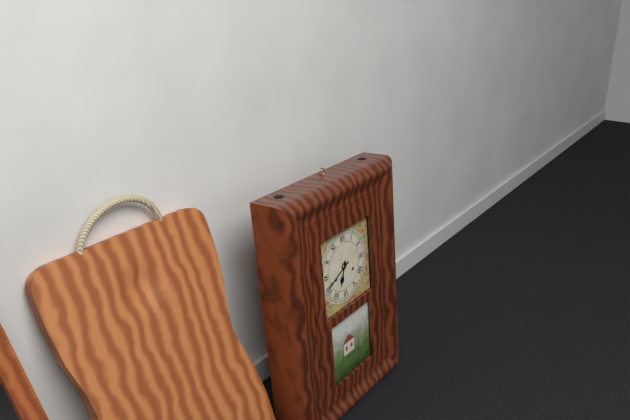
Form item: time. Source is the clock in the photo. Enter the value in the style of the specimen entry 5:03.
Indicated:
6:41
